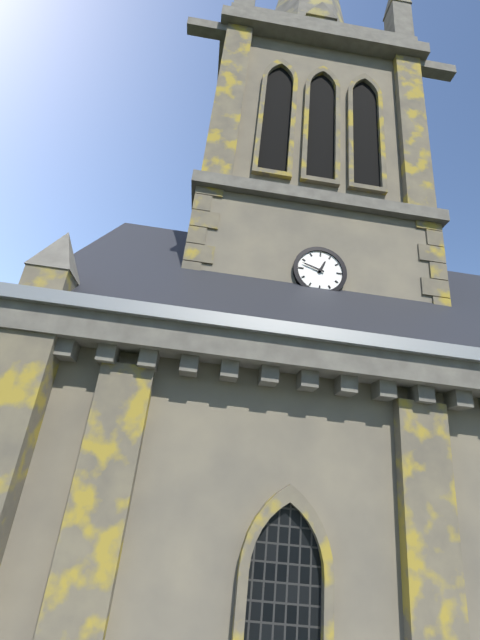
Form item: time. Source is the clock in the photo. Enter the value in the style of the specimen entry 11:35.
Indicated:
12:48
